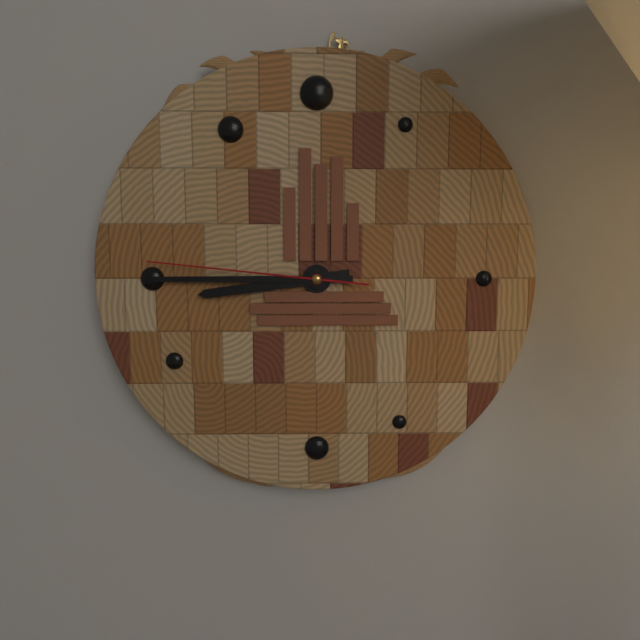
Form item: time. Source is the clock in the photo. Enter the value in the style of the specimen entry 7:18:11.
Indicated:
8:45:46
